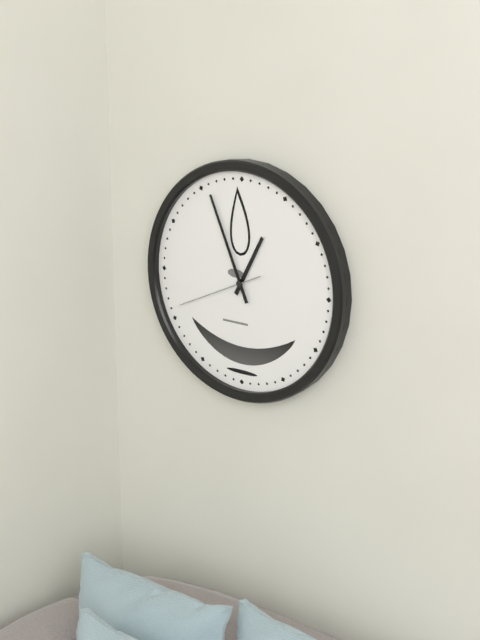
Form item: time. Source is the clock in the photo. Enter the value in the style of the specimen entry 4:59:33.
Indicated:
12:56:41
